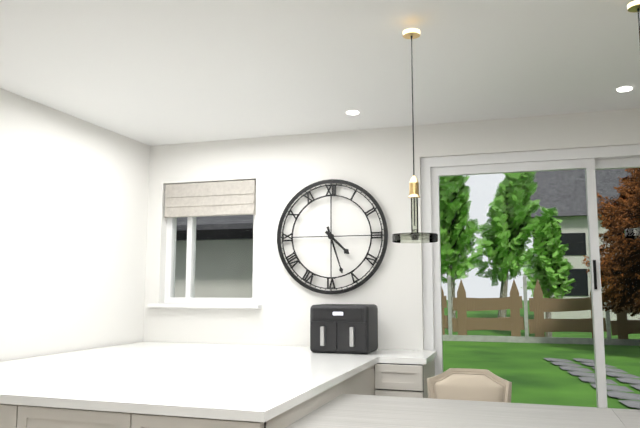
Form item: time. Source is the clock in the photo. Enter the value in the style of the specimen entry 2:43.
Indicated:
4:27
